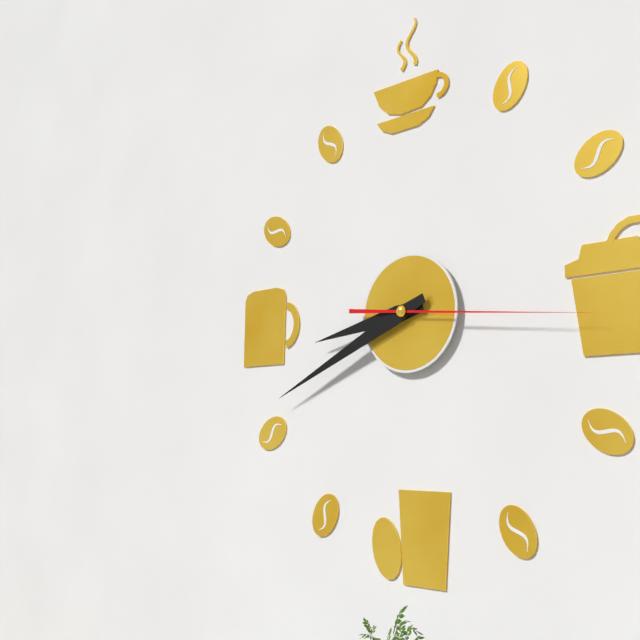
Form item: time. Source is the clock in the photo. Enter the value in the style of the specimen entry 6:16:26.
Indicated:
8:41:16
